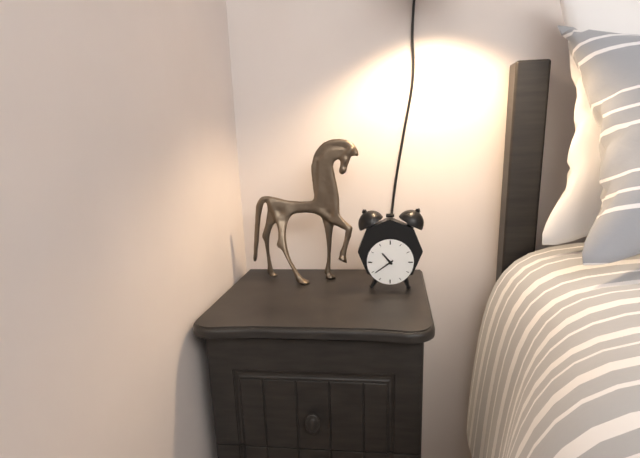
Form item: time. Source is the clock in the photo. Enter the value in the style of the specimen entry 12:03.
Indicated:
10:39
